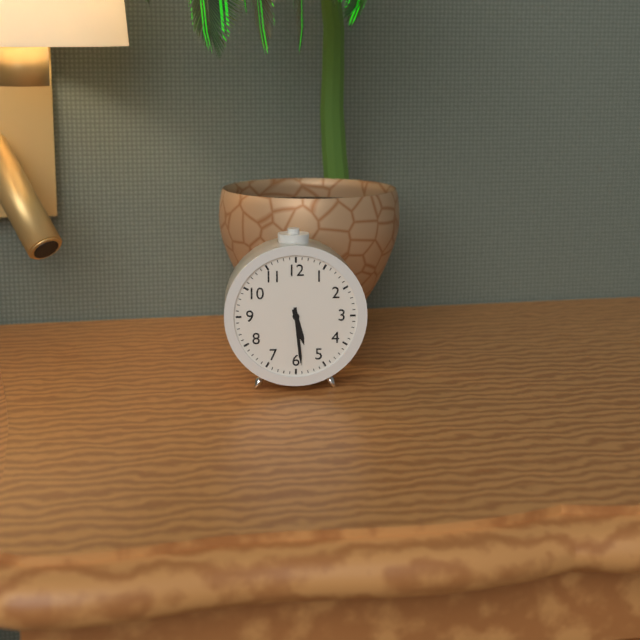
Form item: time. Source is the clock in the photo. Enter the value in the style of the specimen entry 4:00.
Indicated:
5:29
